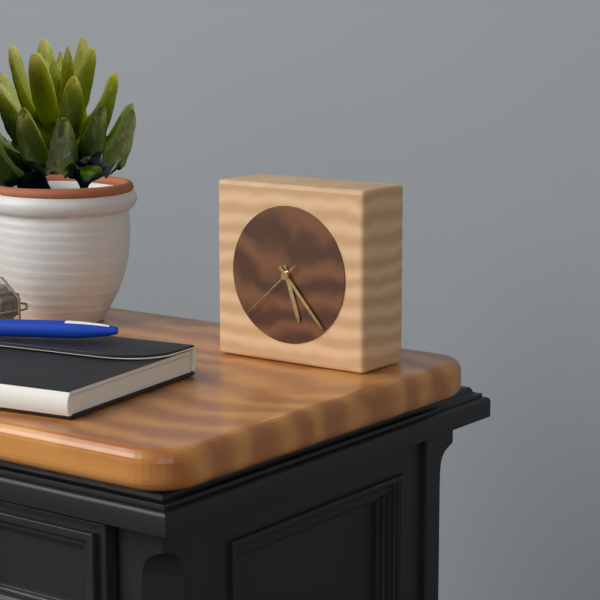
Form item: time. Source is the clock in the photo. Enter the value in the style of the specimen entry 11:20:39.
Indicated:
5:23:38
